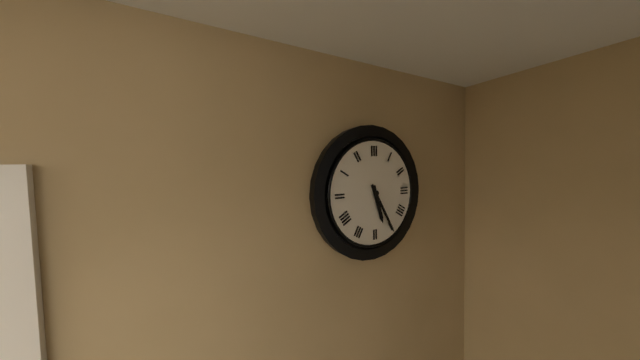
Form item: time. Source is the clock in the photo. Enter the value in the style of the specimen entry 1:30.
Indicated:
5:25
